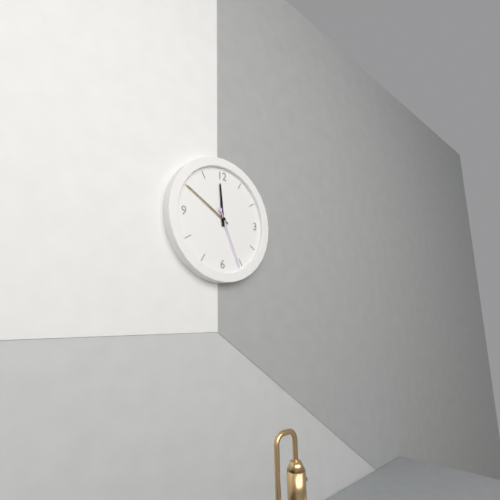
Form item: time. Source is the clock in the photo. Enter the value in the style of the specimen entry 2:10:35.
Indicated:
11:50:26
